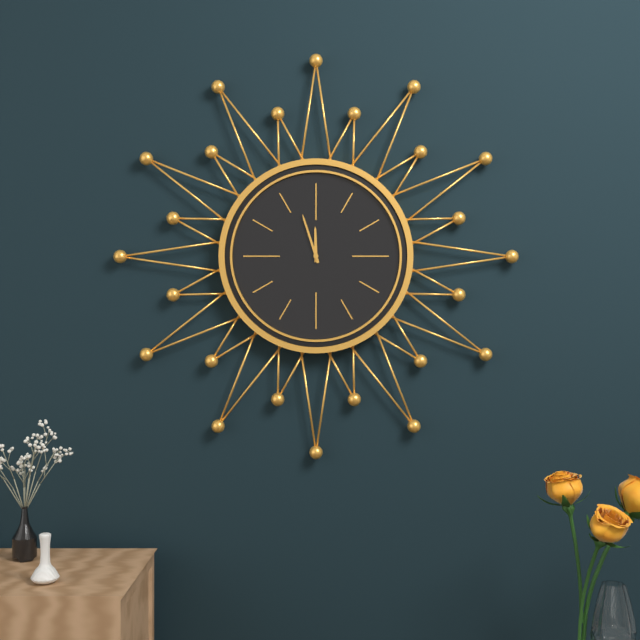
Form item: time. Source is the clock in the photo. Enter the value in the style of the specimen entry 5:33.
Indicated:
11:57
